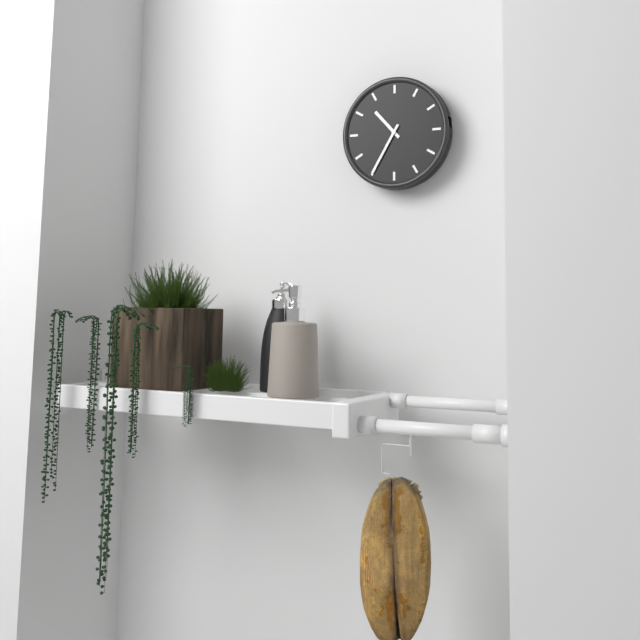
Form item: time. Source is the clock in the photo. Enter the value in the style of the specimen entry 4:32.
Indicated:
10:35
